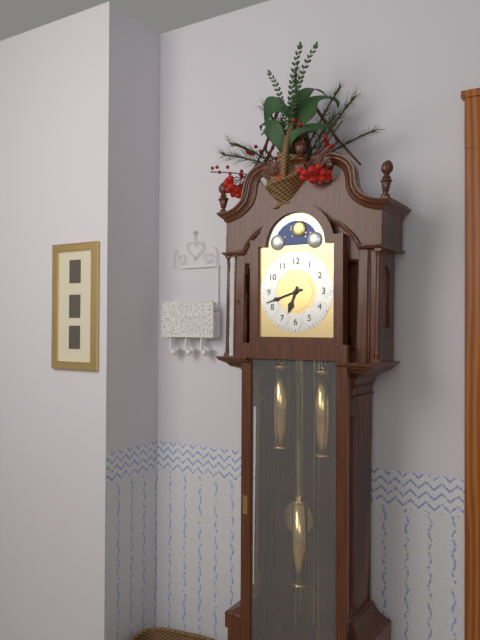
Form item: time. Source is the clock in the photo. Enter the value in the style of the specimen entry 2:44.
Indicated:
6:42
